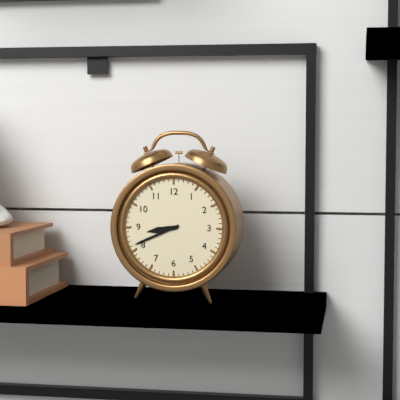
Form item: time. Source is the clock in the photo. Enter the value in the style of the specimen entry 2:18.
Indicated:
8:41
